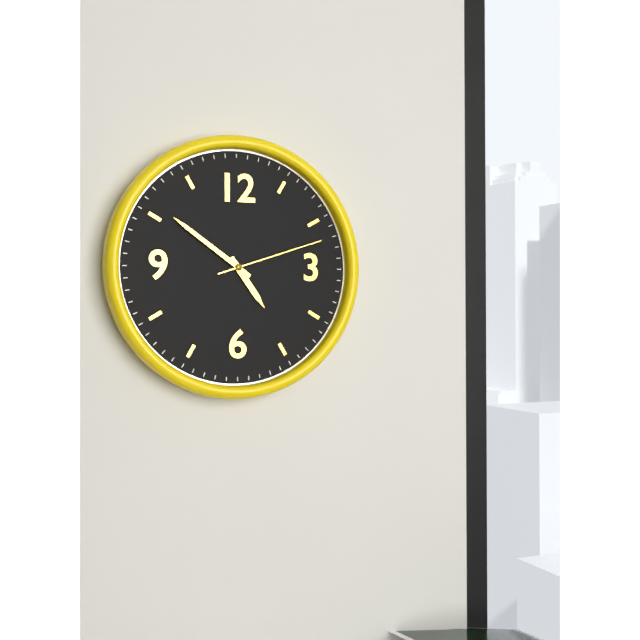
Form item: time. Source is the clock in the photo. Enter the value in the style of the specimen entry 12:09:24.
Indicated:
4:51:12
